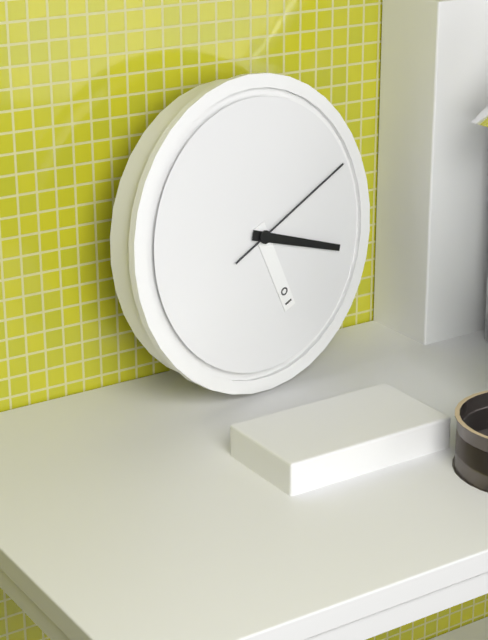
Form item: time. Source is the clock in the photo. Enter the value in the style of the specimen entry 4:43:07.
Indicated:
5:18:11
